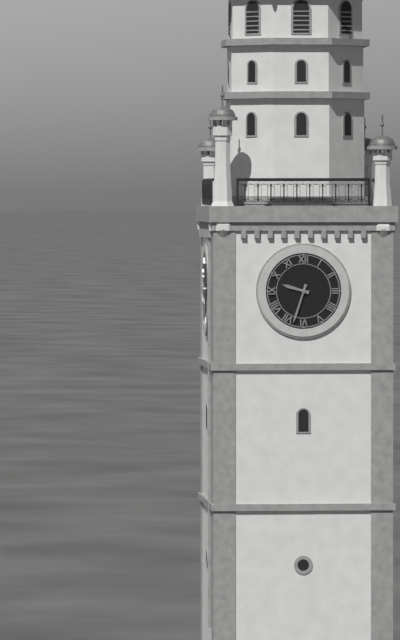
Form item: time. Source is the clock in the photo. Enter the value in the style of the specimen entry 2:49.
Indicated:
9:33
